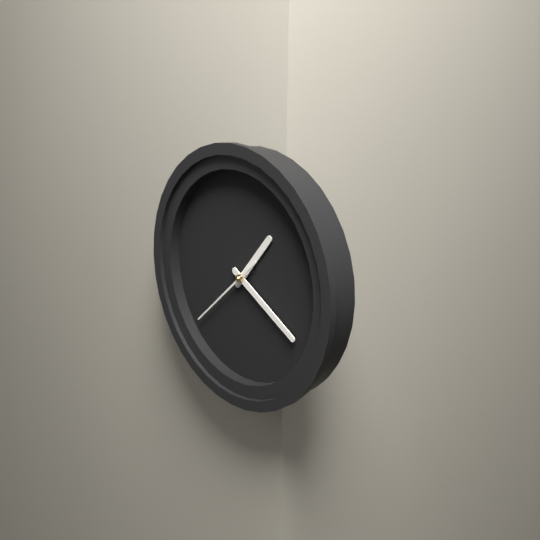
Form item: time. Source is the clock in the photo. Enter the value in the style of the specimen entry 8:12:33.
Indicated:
1:20:38
